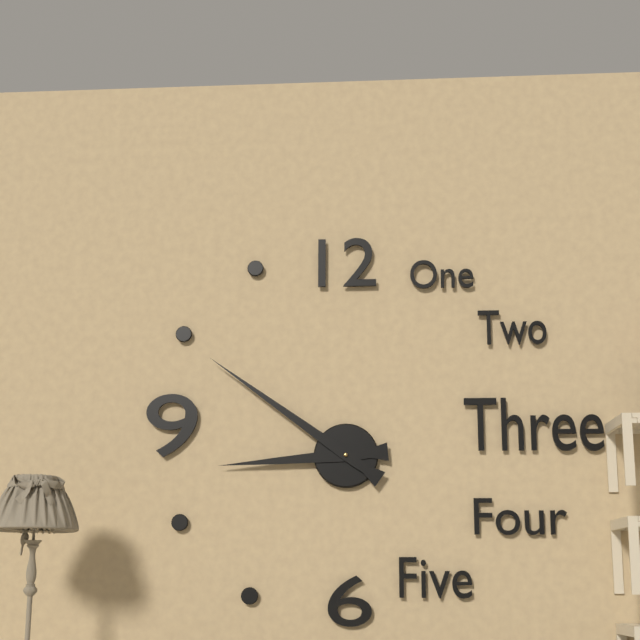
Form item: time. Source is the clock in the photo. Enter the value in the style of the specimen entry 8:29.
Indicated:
8:51
